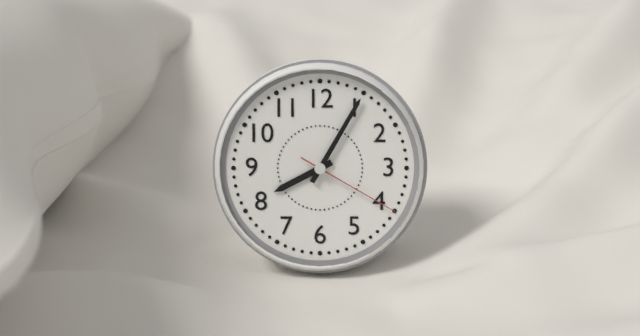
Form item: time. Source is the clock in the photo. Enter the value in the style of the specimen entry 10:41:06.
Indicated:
8:05:20
